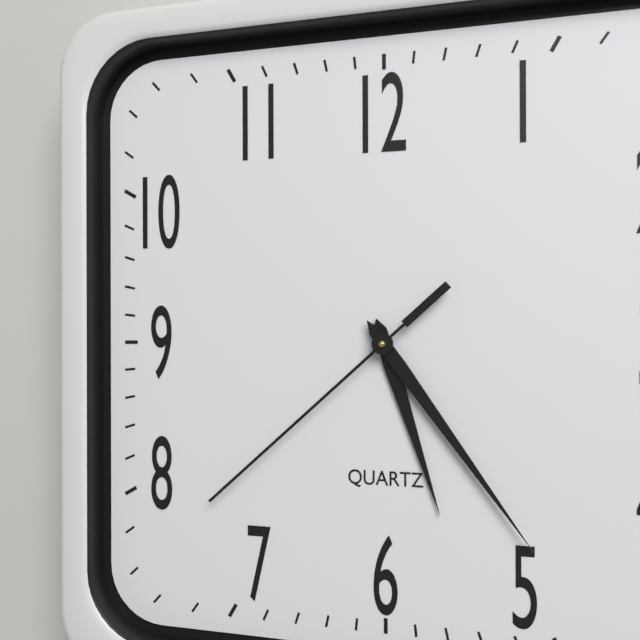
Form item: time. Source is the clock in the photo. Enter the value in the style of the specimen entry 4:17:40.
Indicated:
5:24:38
